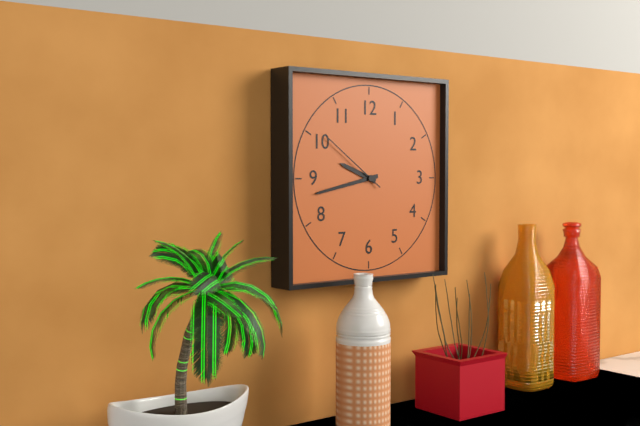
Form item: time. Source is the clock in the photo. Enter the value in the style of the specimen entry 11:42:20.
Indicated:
9:43:51
